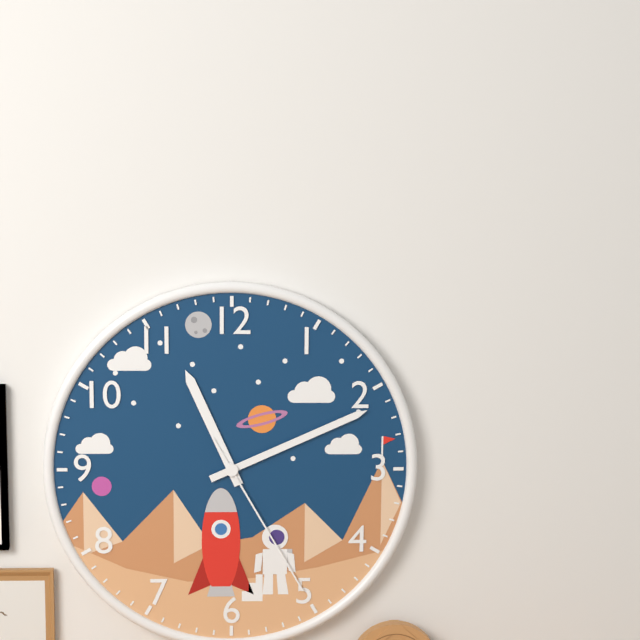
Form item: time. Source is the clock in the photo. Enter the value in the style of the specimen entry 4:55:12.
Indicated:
11:11:25
